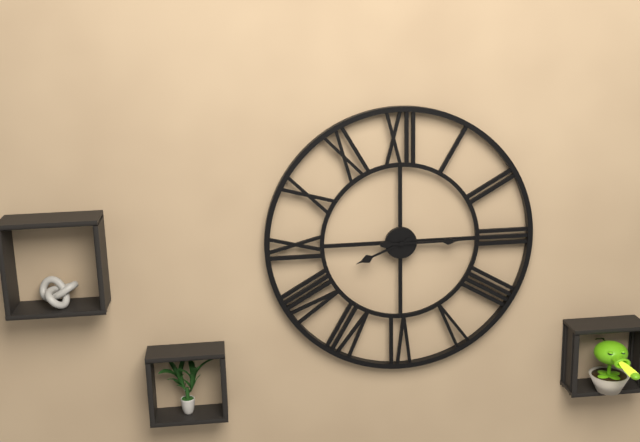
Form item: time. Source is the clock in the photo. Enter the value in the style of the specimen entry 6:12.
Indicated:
8:15
